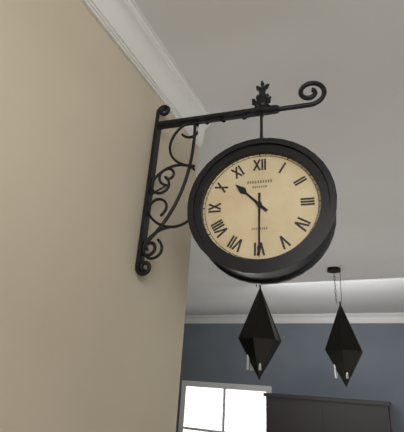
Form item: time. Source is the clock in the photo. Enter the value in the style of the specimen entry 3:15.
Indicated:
10:30
